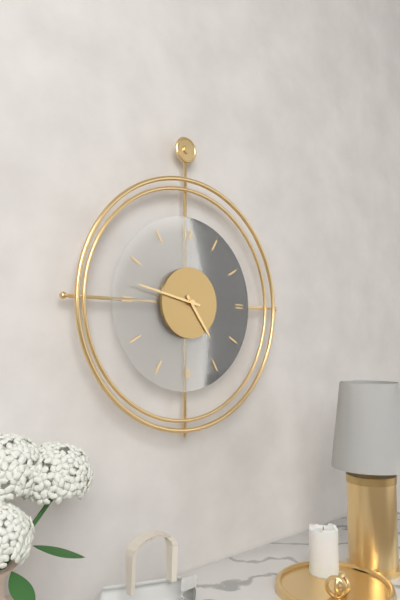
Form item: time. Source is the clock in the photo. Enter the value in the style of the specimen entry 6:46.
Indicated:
4:47
